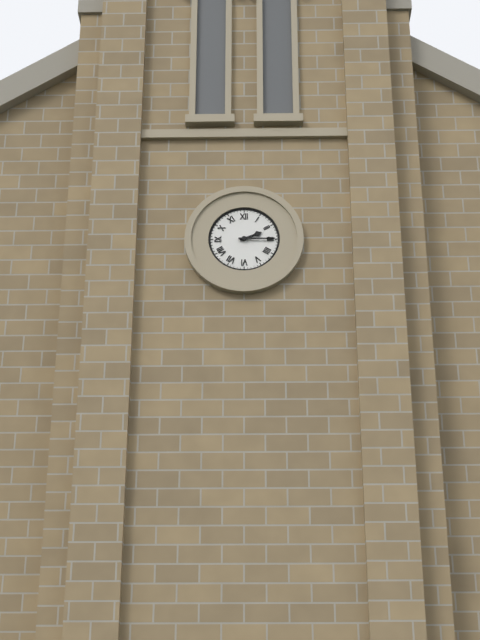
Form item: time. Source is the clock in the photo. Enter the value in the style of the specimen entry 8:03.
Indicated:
2:15
